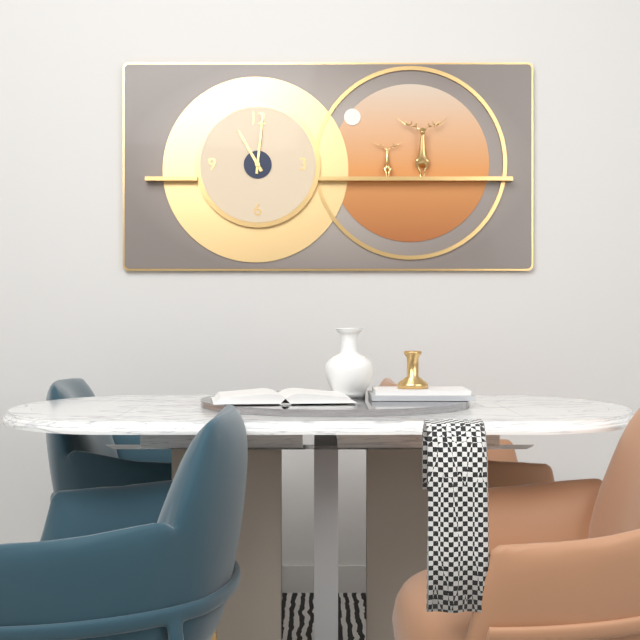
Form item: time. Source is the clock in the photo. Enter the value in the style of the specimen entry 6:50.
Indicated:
11:01
